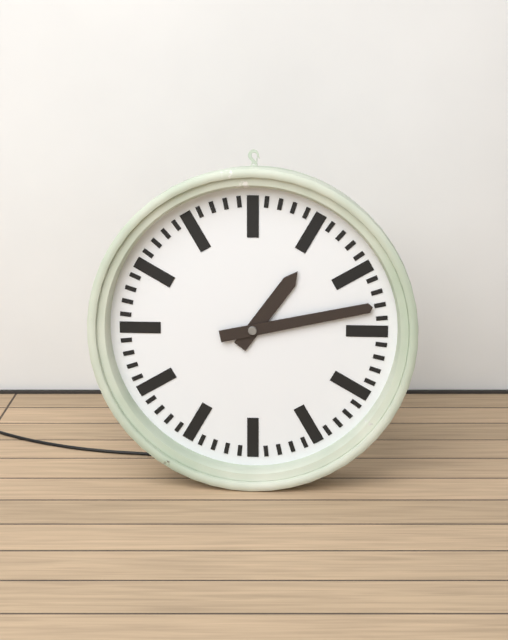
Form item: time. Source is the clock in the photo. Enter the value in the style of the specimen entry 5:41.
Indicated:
1:13
